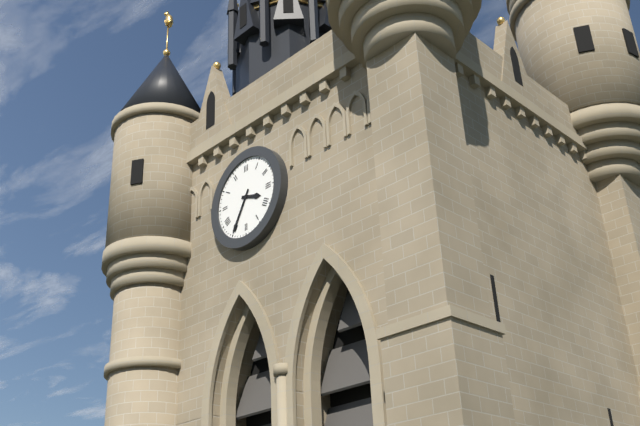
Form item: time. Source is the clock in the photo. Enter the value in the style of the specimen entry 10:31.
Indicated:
3:35
